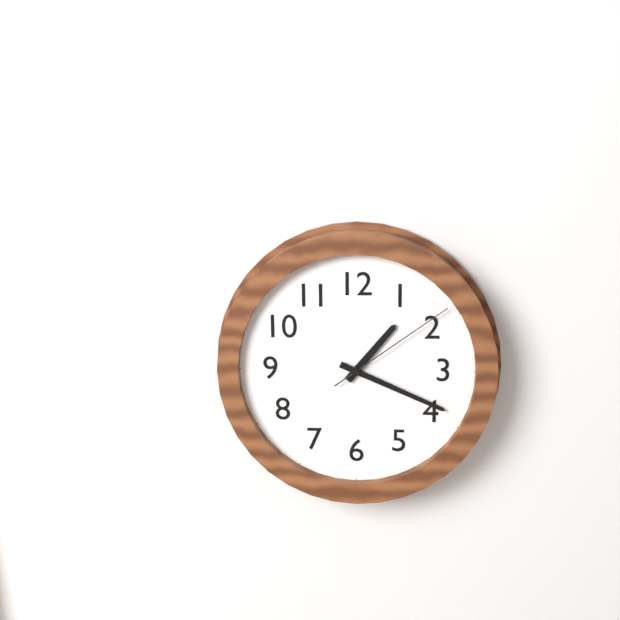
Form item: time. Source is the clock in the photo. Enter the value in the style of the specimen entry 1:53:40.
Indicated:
1:19:09
